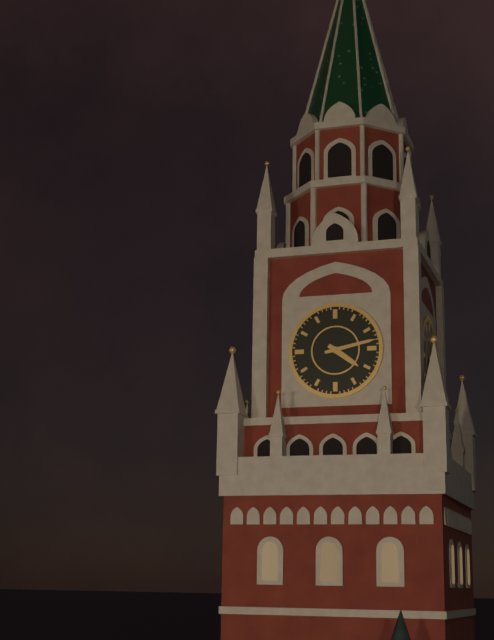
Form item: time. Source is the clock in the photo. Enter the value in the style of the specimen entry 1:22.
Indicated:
4:13
